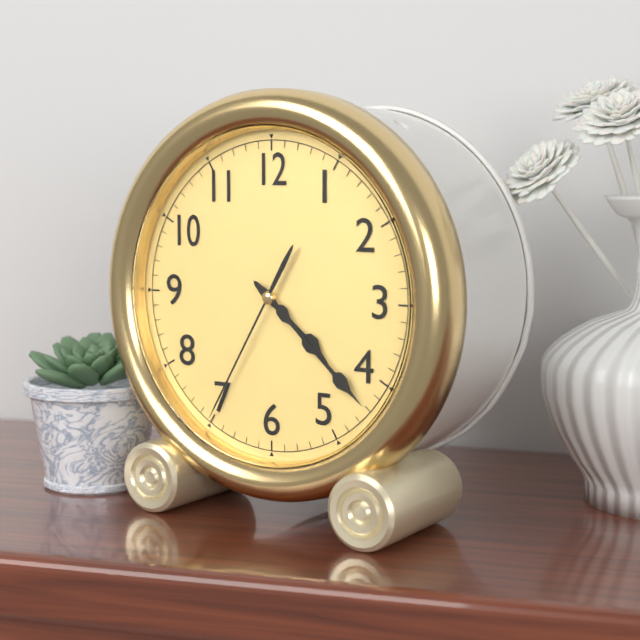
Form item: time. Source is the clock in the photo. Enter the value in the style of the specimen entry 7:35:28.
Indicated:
4:22:35
